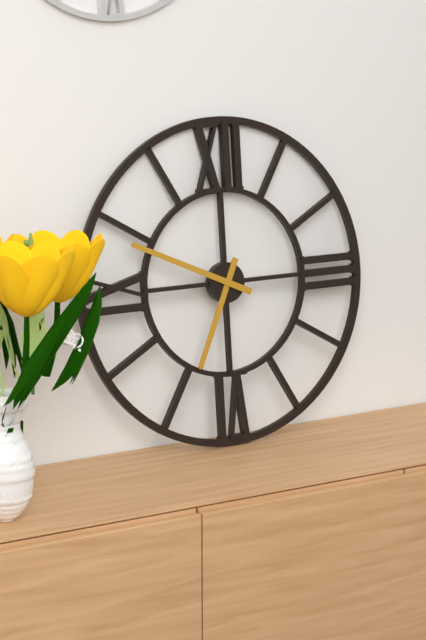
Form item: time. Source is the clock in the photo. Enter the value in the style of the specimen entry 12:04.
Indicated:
6:49
